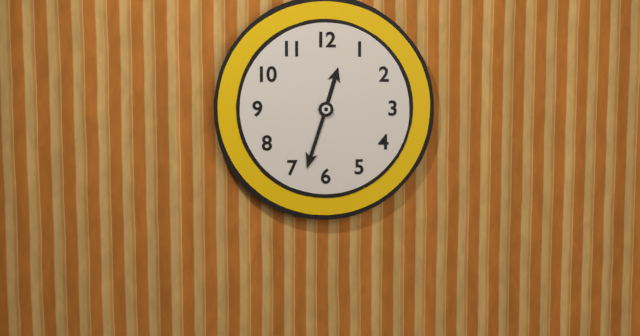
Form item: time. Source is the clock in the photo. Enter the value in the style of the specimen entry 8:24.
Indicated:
12:33
